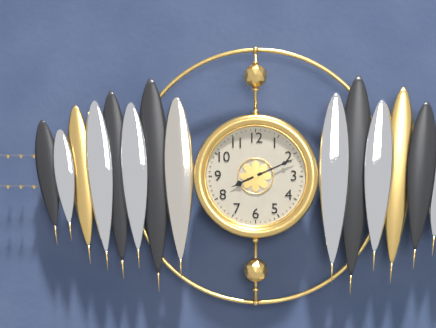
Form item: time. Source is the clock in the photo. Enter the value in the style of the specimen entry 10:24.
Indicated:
8:11
